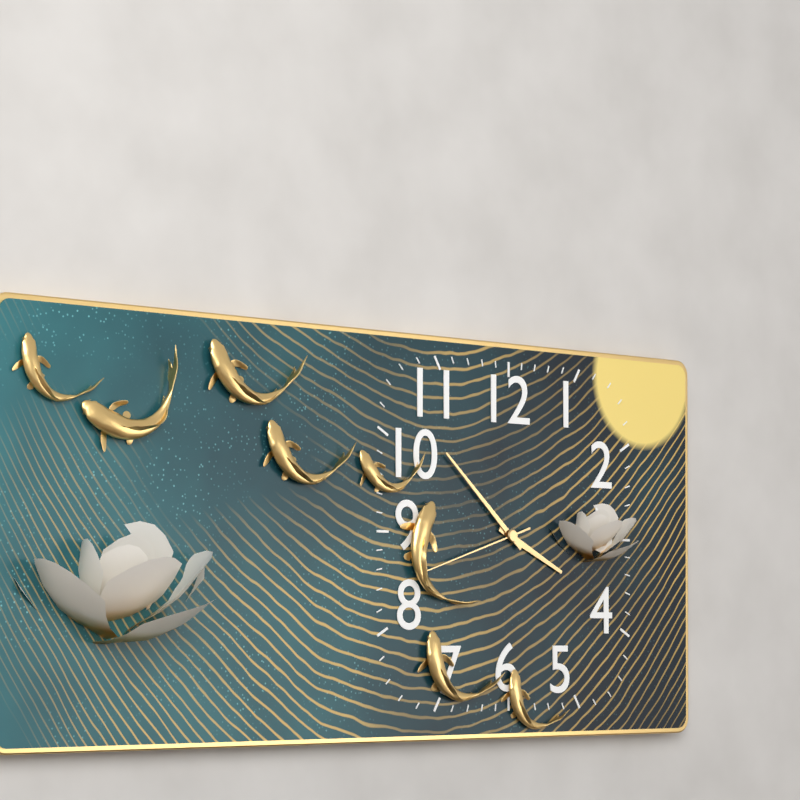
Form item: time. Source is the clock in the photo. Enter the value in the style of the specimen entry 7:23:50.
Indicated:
3:52:42
